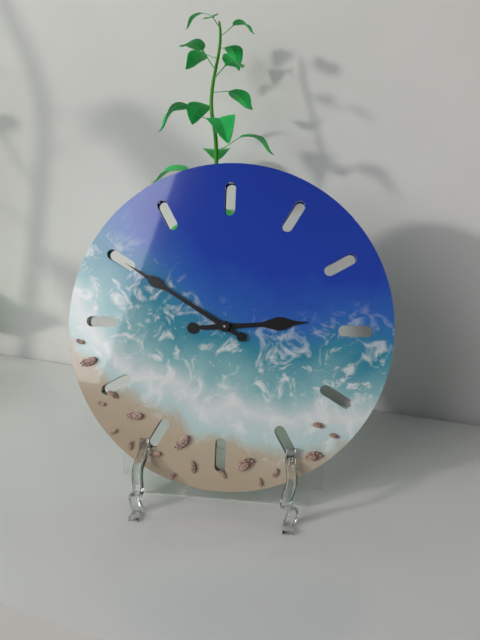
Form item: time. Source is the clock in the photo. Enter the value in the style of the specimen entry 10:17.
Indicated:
2:50
